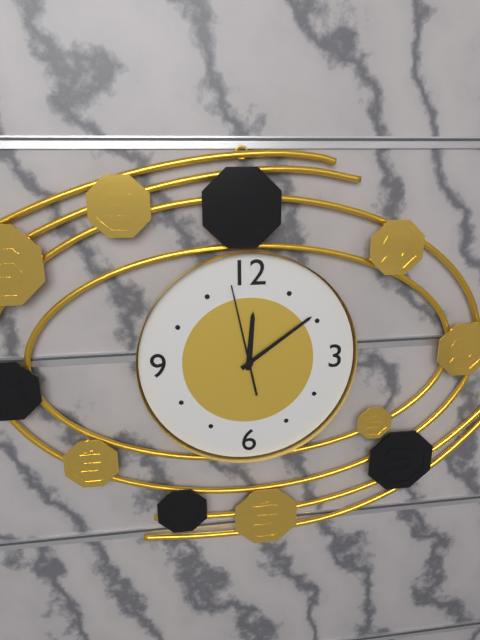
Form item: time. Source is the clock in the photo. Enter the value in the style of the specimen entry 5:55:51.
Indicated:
12:09:58
